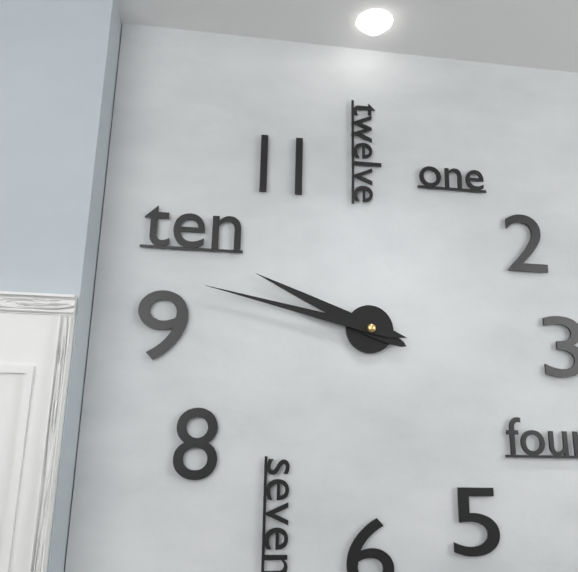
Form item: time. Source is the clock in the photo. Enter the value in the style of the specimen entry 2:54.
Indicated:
9:47
